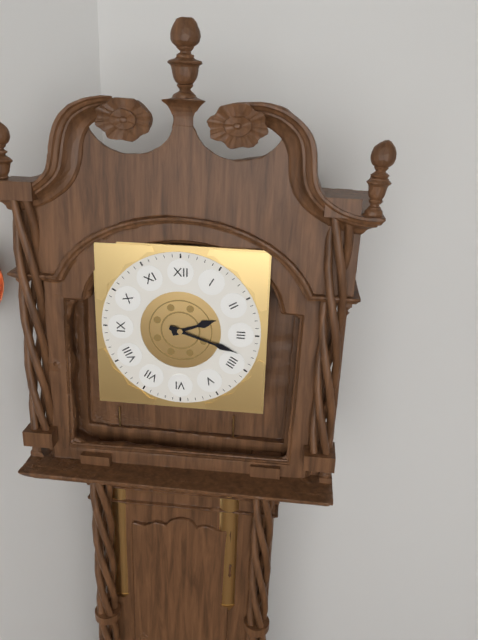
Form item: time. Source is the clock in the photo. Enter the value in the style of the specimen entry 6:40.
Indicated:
2:18
